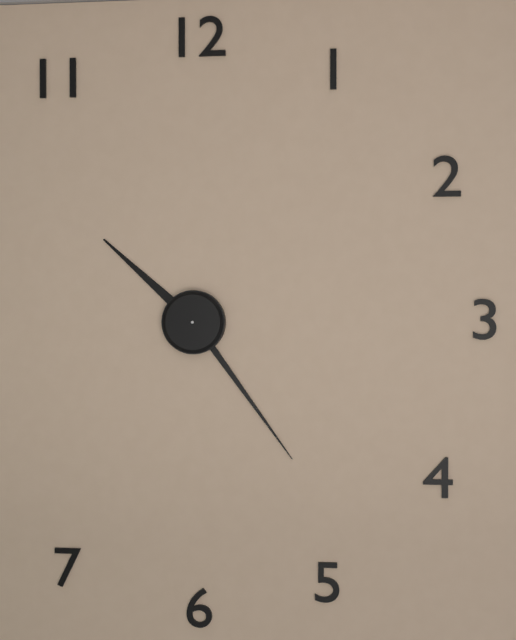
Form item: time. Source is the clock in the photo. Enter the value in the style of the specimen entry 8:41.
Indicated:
10:24
